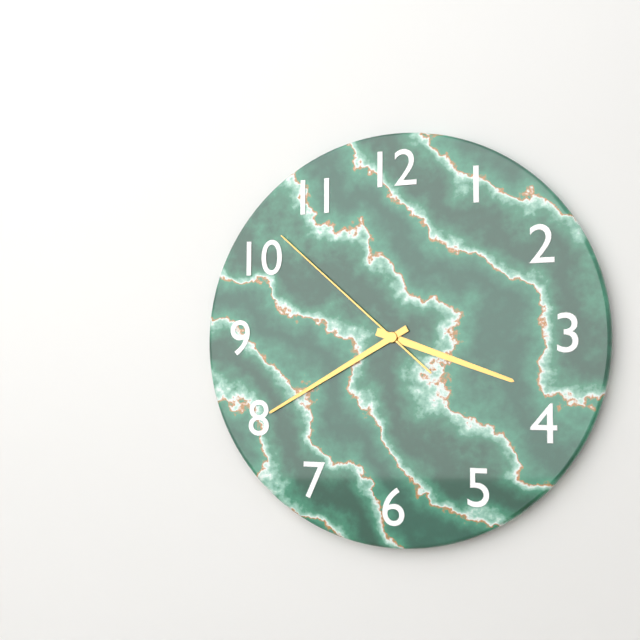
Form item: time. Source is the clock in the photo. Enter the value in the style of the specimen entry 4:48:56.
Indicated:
3:40:52
